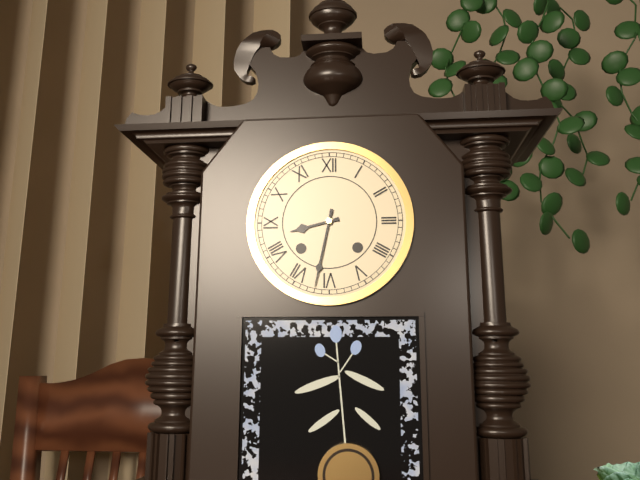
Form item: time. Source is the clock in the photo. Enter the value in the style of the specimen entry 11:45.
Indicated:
8:32
